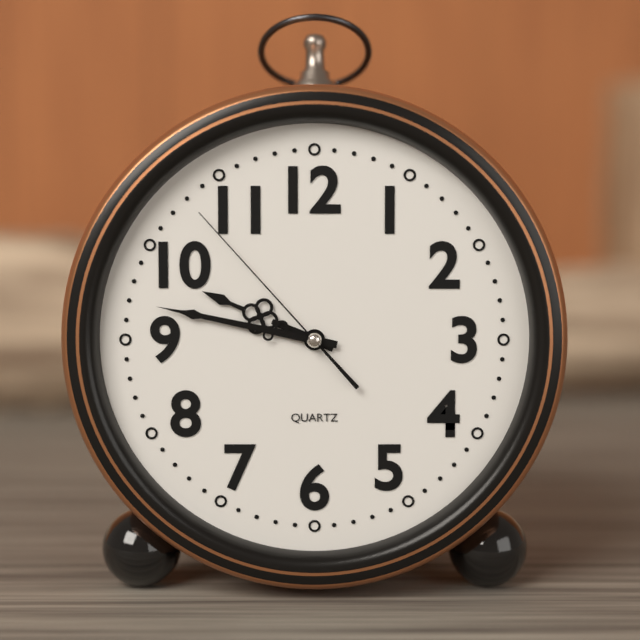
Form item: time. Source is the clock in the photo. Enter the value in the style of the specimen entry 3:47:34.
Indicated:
9:47:53
